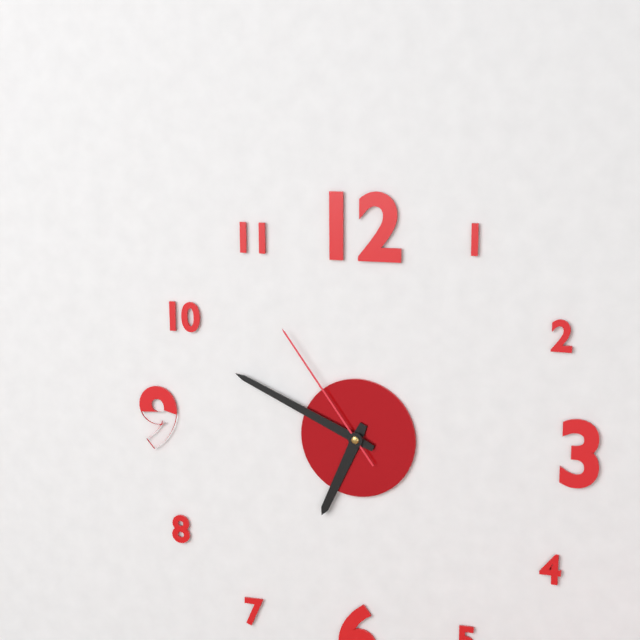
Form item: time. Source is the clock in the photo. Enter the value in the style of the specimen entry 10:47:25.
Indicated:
6:49:54
